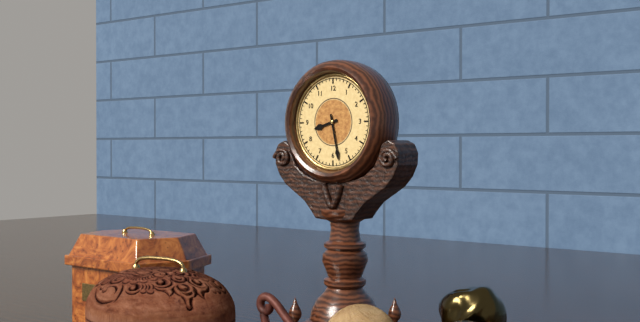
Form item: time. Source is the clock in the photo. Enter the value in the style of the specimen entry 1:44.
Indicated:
8:28
